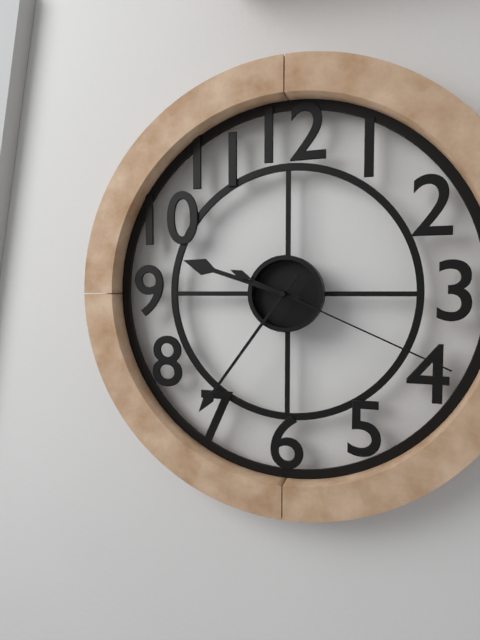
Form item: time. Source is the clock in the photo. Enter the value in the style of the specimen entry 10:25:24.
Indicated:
9:36:19
